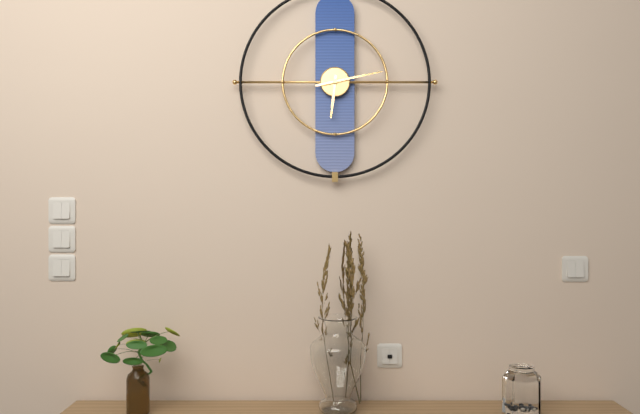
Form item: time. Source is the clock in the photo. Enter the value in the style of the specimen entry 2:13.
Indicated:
6:13
